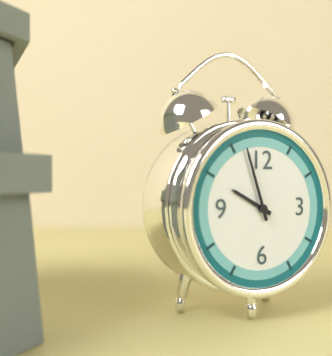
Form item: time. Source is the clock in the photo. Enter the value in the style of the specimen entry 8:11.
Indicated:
9:57
